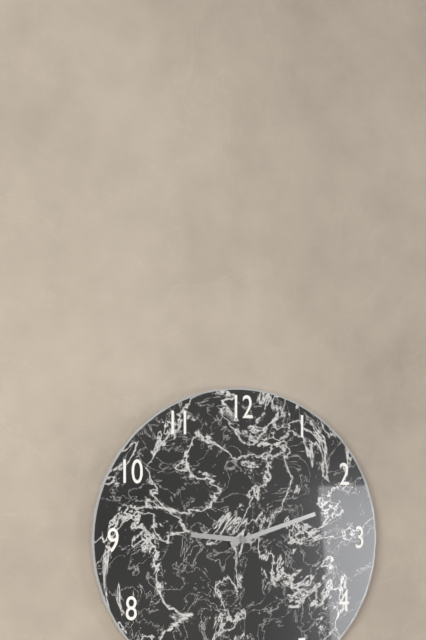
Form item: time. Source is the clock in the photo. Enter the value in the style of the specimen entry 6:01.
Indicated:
9:12
